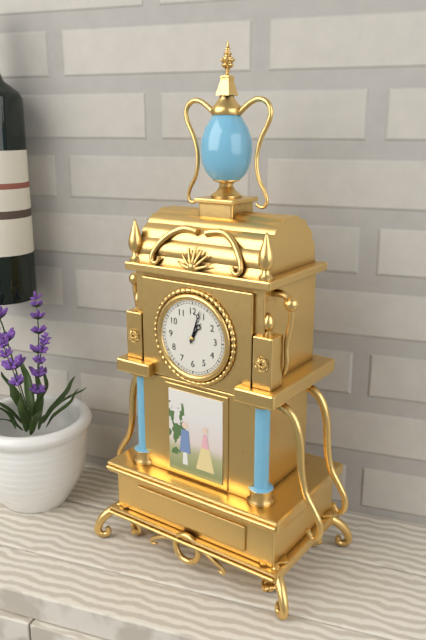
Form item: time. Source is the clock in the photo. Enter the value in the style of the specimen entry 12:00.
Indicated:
1:03
